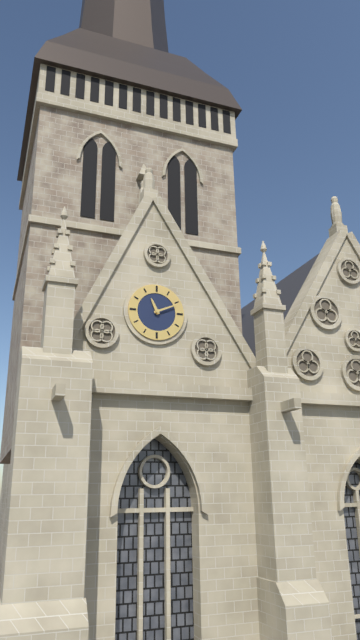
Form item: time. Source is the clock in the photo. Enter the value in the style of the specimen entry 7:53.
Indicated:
11:11
